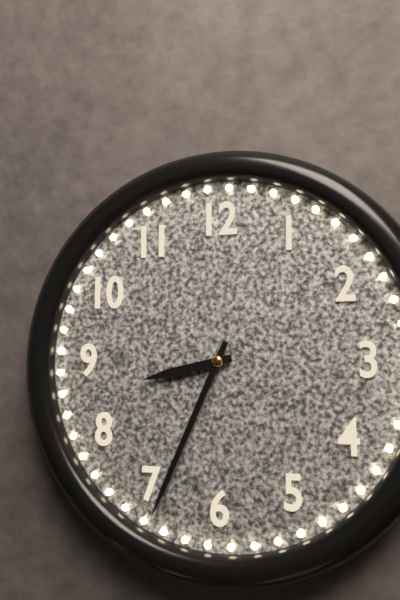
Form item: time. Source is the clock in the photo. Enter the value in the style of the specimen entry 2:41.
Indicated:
8:34
